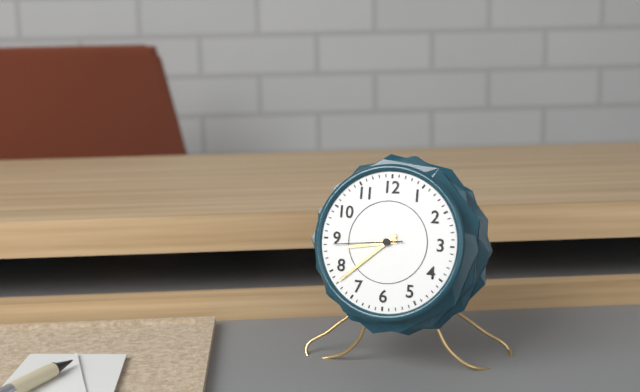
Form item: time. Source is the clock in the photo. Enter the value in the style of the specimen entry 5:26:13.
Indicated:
8:38:44
